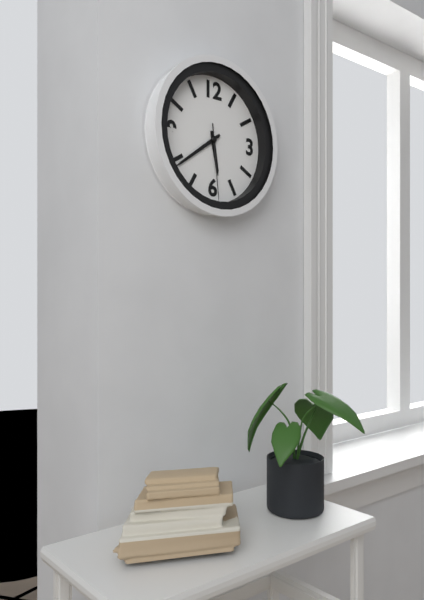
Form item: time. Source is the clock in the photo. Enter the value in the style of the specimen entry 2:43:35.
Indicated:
5:39:29
